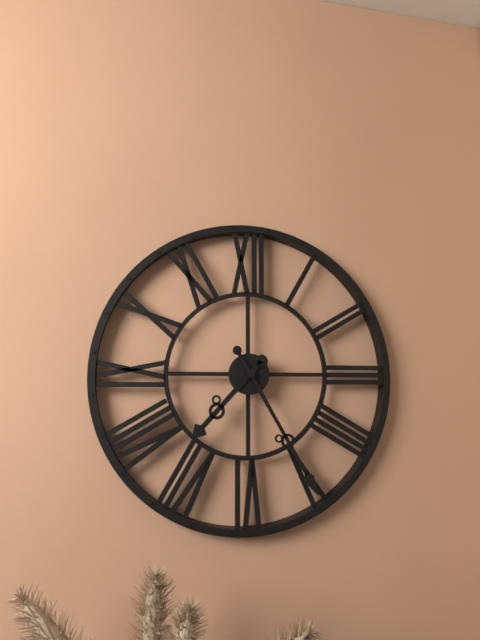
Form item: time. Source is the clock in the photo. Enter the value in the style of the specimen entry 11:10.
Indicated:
7:25
